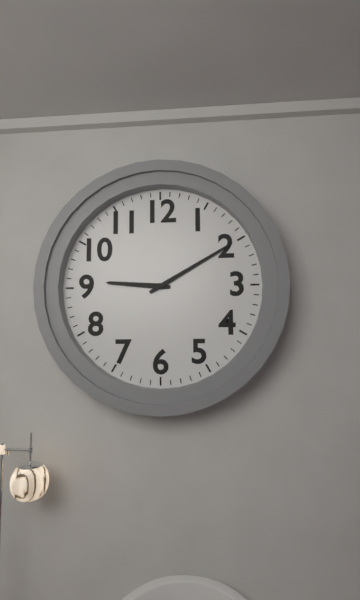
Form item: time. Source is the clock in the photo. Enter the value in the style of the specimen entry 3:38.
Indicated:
9:10
